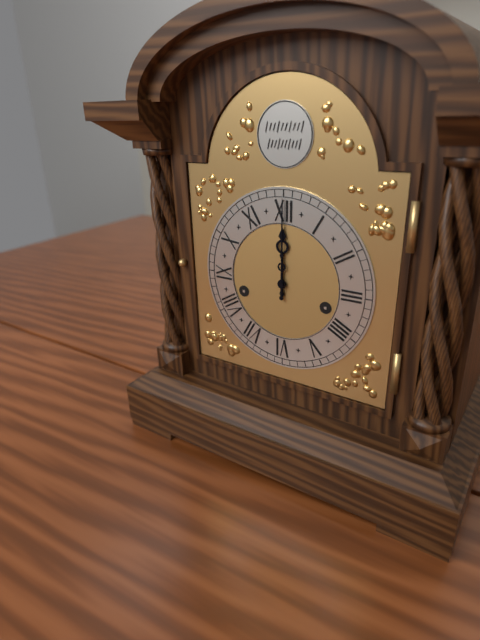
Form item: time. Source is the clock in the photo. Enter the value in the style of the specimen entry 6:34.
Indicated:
12:00
